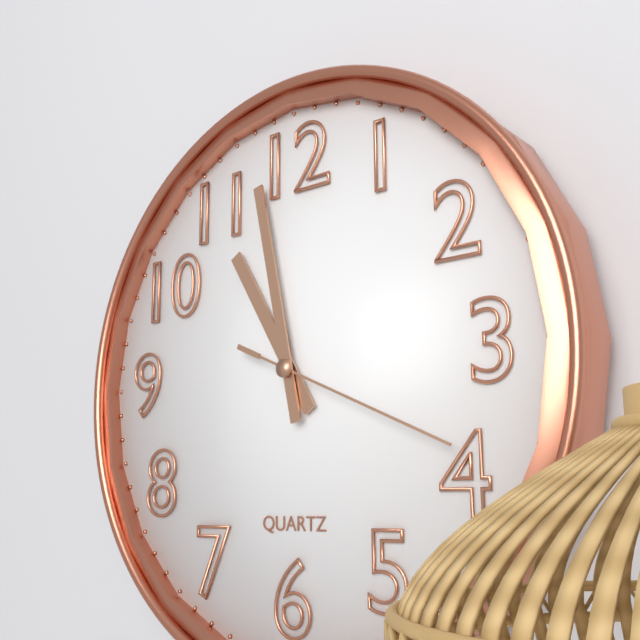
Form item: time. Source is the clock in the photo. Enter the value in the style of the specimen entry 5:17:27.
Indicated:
10:58:19
